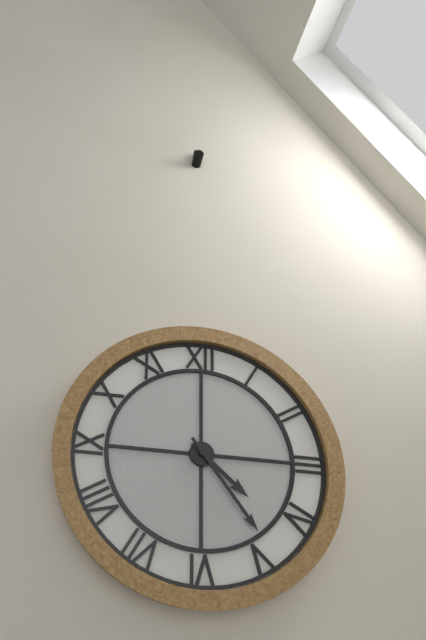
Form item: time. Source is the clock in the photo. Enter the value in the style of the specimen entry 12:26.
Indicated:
4:24
